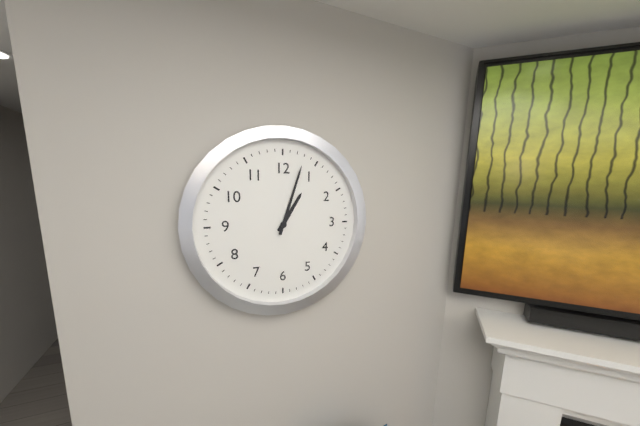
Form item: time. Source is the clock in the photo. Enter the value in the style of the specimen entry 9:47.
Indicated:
1:03
